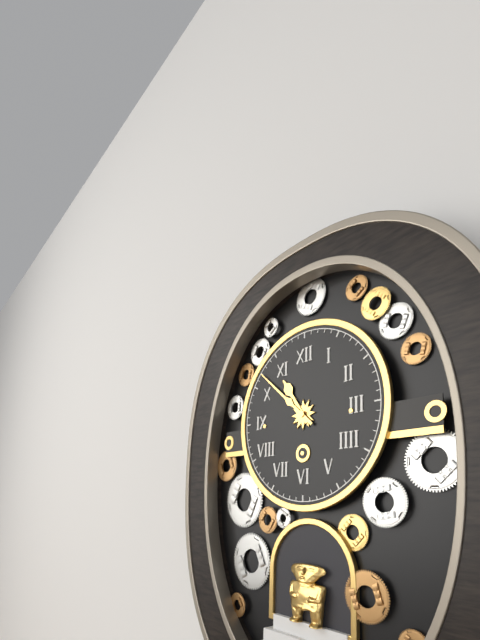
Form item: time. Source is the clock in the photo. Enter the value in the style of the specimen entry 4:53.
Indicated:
10:52
